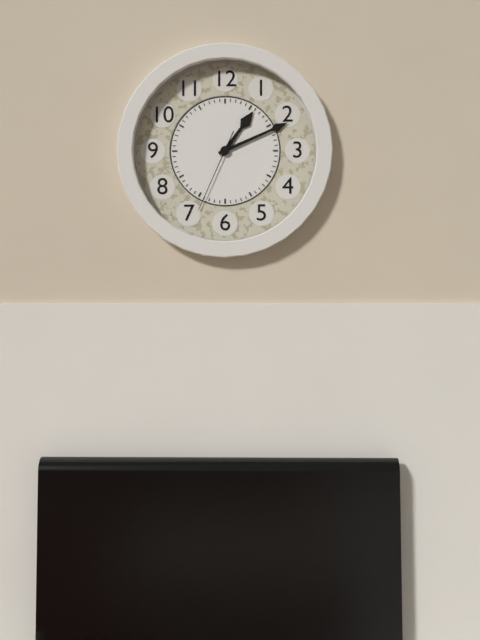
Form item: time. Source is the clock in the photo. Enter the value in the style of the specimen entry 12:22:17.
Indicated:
1:11:34
